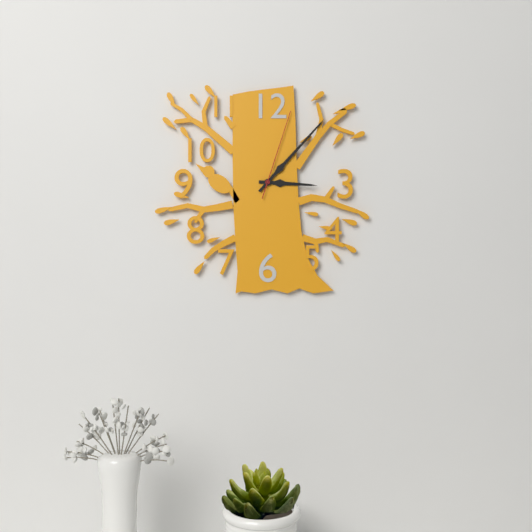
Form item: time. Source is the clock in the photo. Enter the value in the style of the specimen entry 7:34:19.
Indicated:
3:07:03
